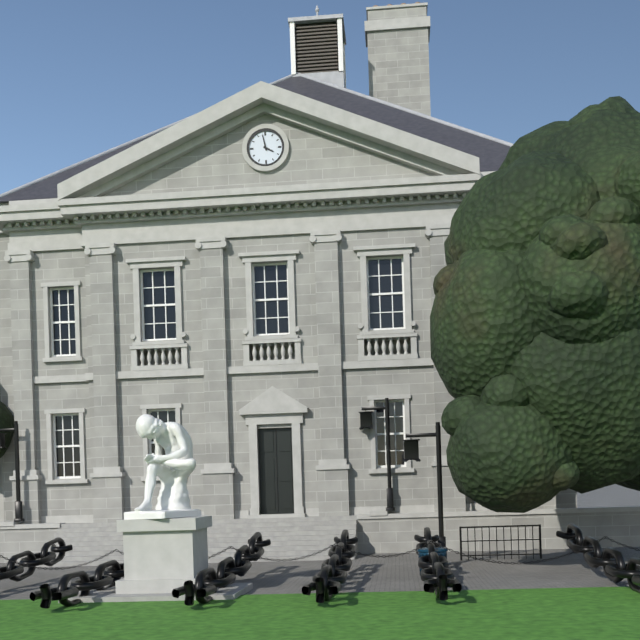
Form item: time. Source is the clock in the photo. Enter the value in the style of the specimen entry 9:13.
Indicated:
3:58
